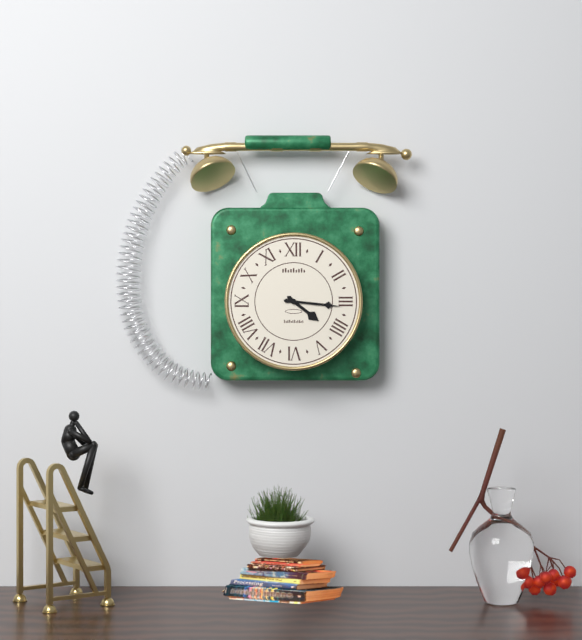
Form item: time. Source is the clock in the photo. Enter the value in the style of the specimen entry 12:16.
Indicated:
4:16
